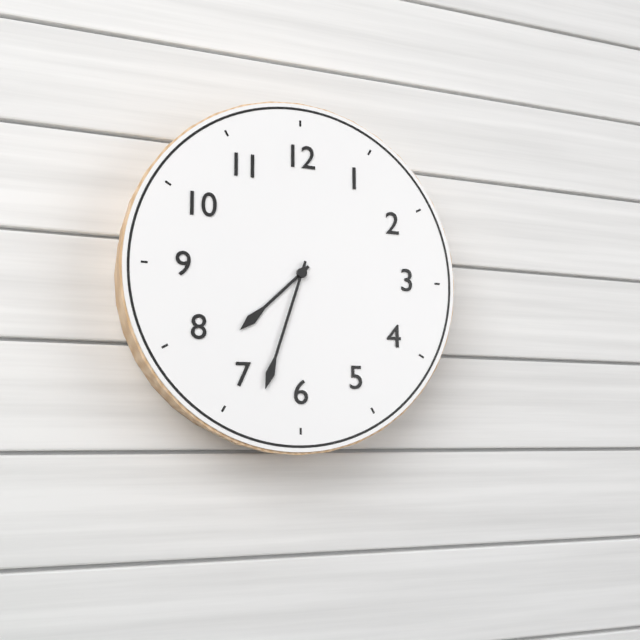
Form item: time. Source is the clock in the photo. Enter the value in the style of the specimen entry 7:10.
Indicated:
7:33
